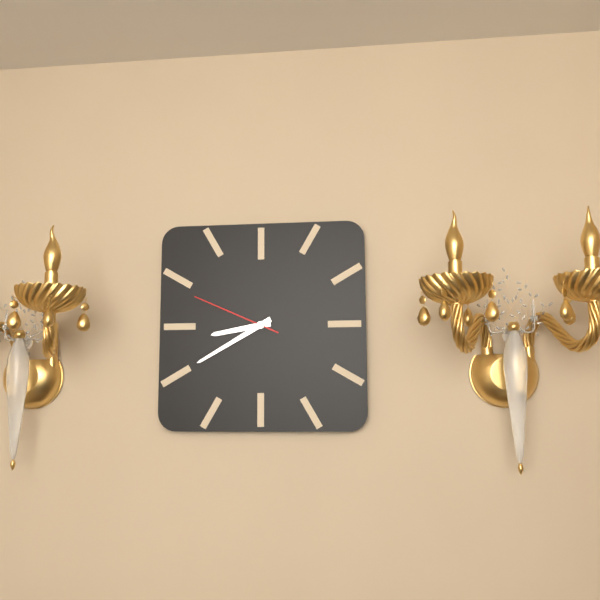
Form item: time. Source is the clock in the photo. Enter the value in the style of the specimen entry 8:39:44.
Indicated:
8:40:49
